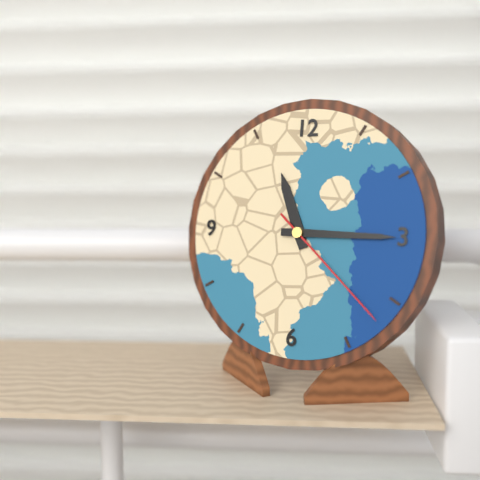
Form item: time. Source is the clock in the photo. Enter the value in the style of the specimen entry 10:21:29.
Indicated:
11:15:22
